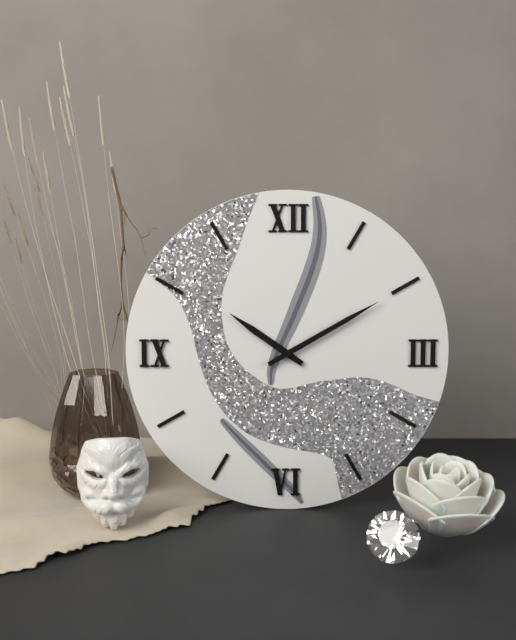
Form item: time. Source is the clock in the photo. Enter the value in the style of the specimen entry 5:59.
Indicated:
10:10
